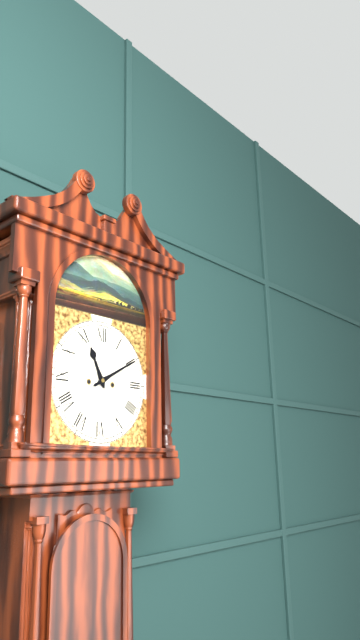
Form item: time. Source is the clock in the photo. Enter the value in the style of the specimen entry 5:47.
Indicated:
11:10
